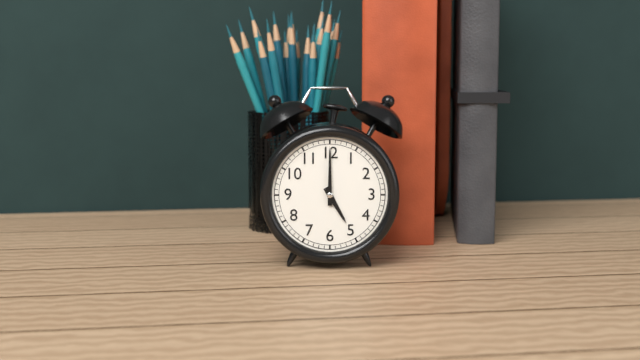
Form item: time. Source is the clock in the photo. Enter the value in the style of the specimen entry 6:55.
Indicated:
5:00
